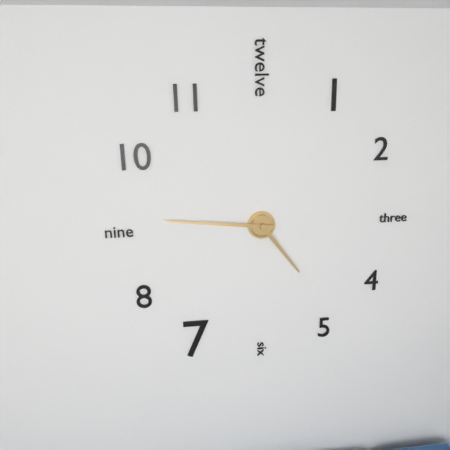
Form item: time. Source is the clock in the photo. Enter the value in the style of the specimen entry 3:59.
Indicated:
4:46
